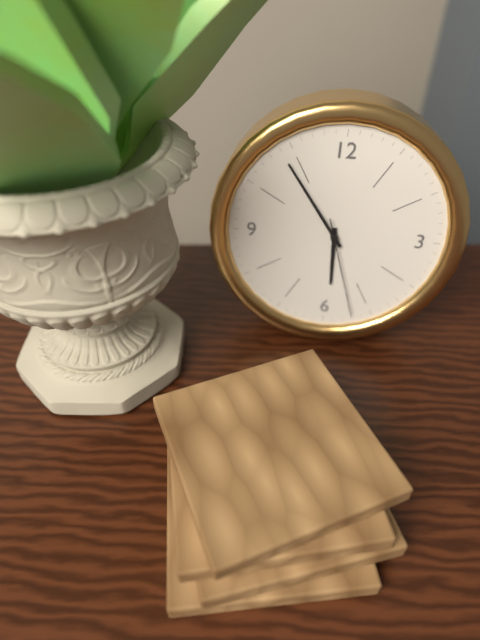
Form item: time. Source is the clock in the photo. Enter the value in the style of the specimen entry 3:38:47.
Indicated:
5:54:27
